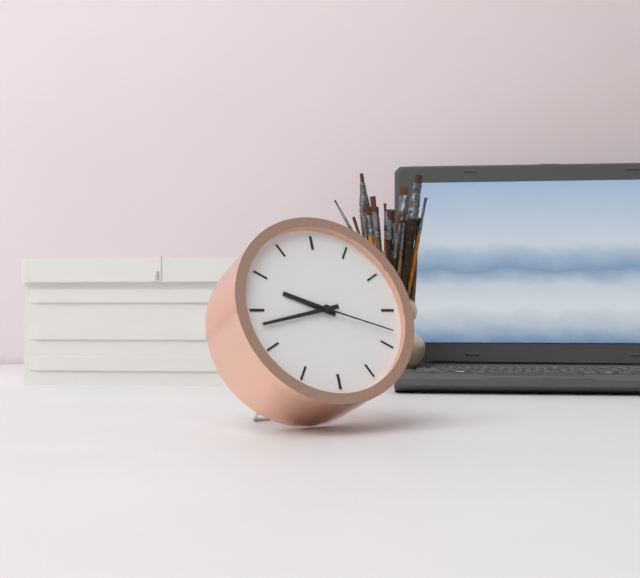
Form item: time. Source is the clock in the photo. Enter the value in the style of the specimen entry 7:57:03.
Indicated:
9:43:18
